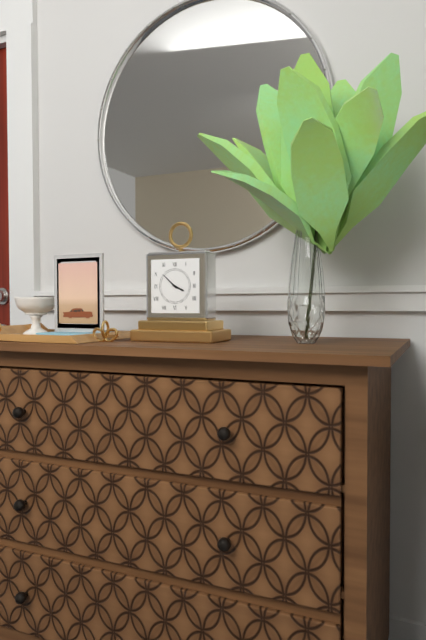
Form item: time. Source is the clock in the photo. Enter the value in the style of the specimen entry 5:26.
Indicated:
3:52
